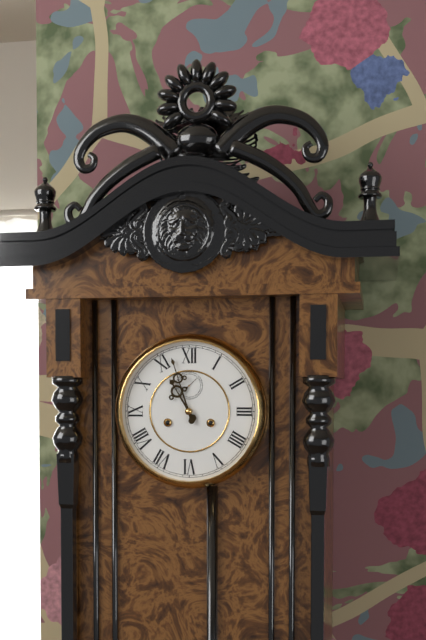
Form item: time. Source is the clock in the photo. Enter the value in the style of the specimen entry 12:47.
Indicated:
10:57
